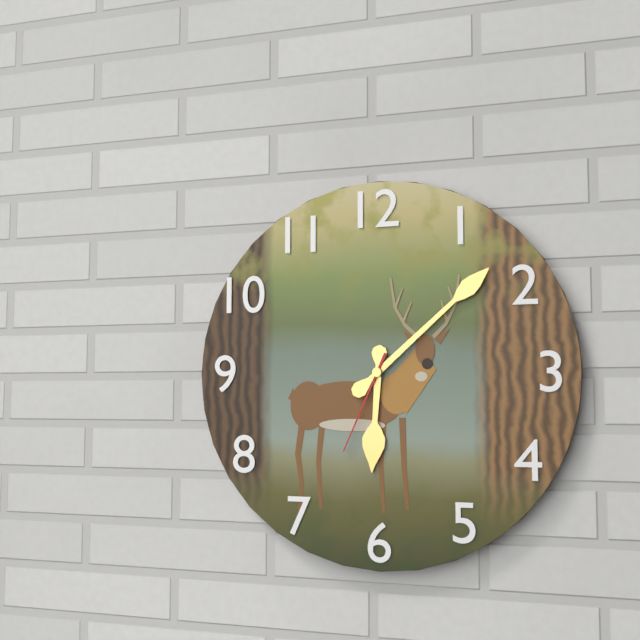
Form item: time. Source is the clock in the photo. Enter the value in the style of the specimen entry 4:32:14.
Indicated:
6:08:34
